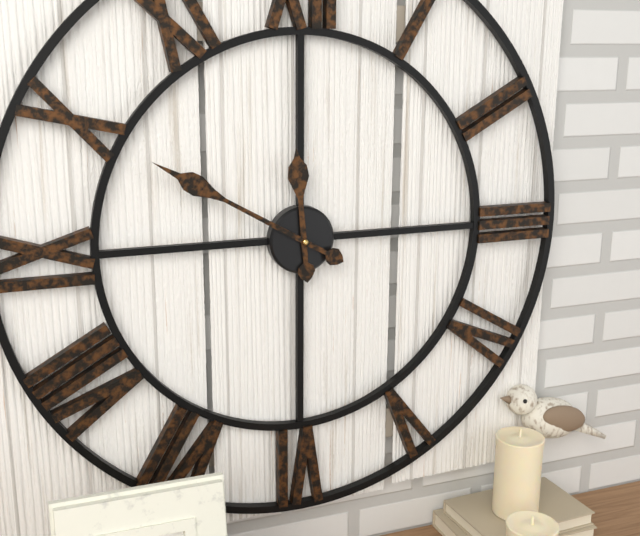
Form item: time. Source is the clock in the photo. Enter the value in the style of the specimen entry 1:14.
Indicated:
11:50
